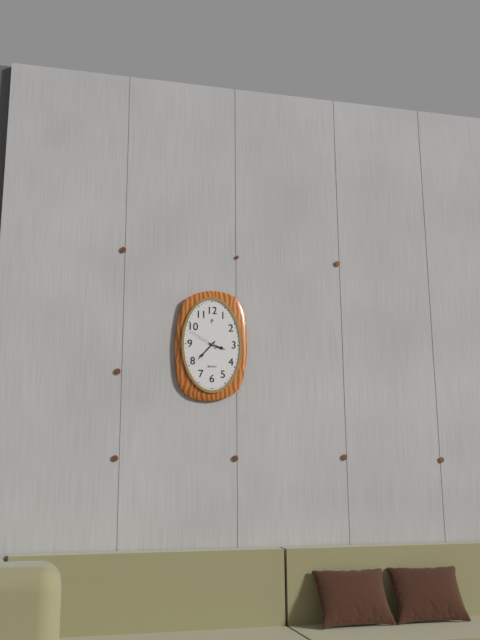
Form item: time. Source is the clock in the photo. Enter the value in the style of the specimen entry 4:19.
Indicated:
3:37
